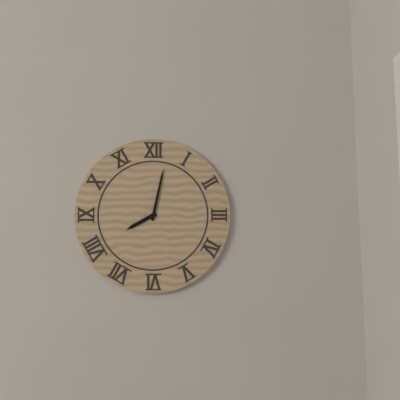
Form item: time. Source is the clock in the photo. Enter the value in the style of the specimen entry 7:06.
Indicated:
8:02
